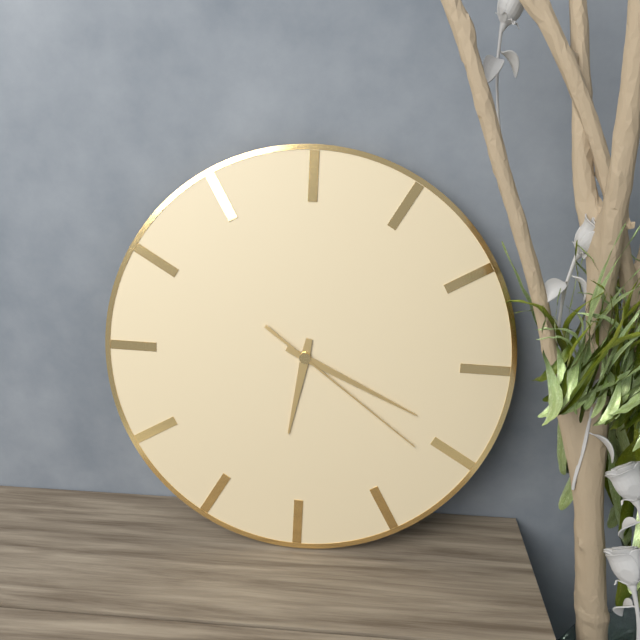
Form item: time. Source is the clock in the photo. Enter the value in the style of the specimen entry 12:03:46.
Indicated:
6:19:21
